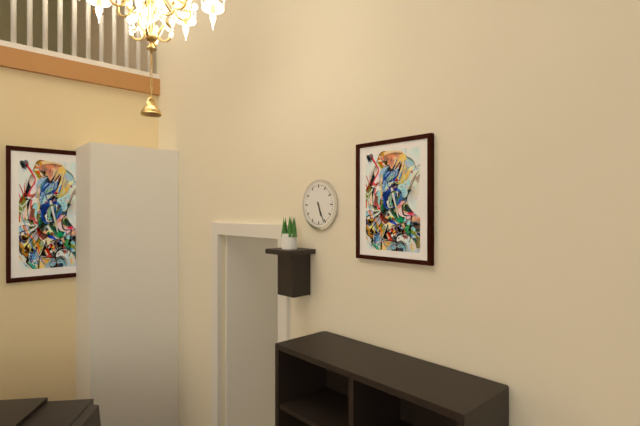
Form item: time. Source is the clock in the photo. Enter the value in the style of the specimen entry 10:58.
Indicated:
5:26
